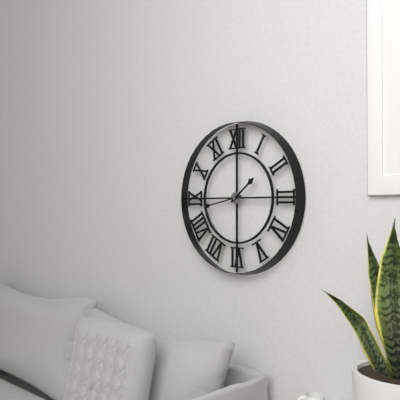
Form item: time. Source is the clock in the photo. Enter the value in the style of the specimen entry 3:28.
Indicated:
1:43
